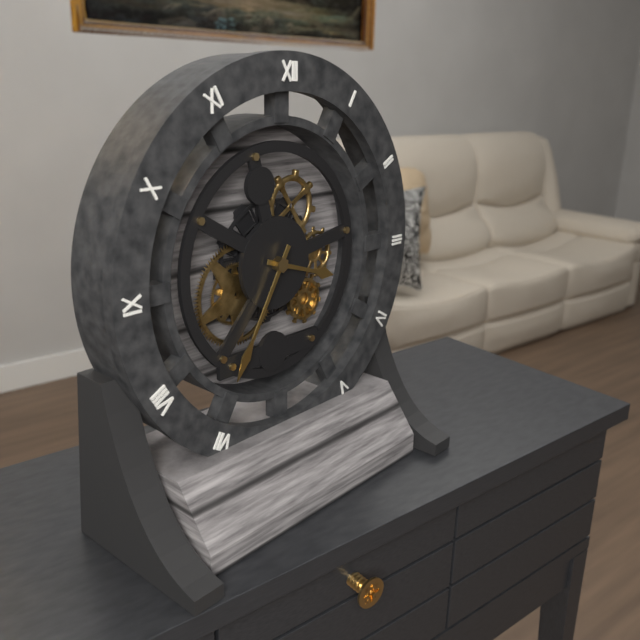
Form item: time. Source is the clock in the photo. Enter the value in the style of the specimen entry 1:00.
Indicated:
3:35
